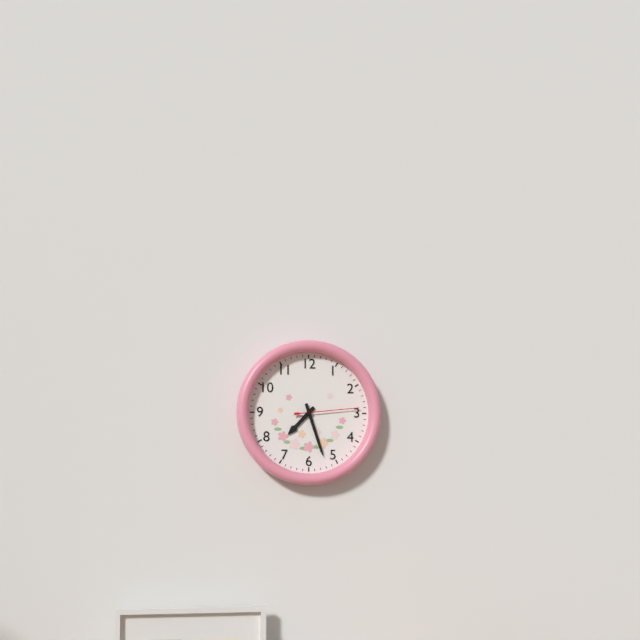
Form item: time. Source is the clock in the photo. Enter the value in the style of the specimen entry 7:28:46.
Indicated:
7:27:14
